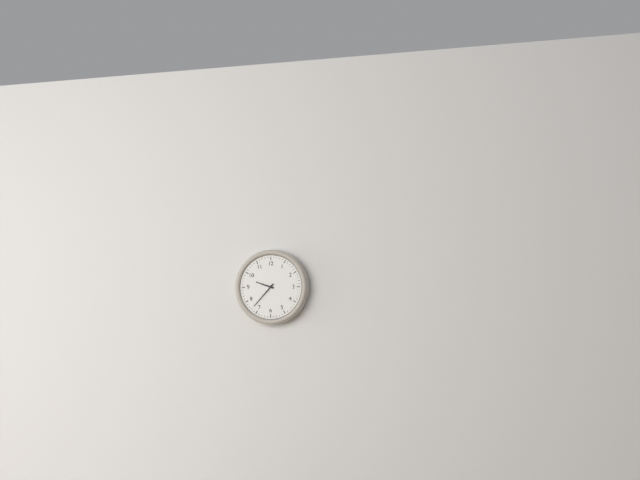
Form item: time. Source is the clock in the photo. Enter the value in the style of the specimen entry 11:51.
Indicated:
9:37
